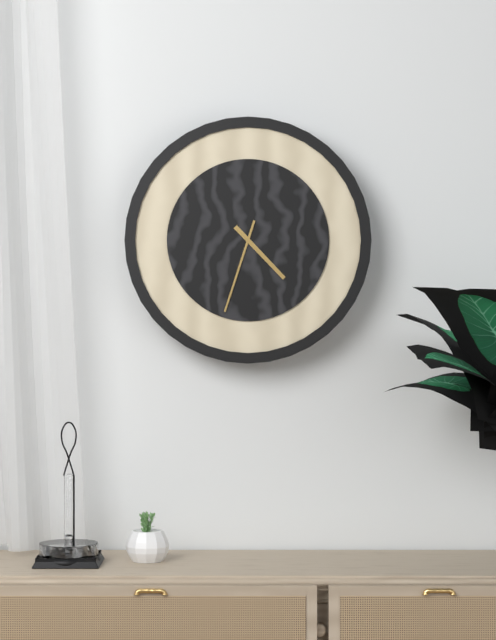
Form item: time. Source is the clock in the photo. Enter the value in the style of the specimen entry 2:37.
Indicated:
4:33
